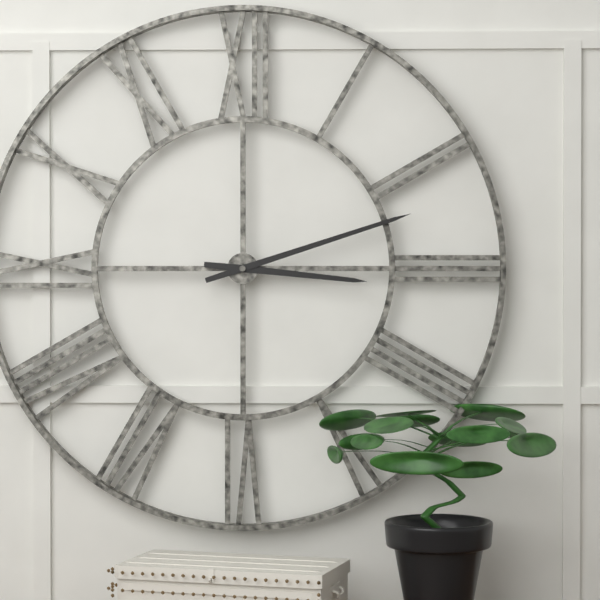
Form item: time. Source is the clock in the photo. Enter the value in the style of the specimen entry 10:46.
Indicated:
3:12
